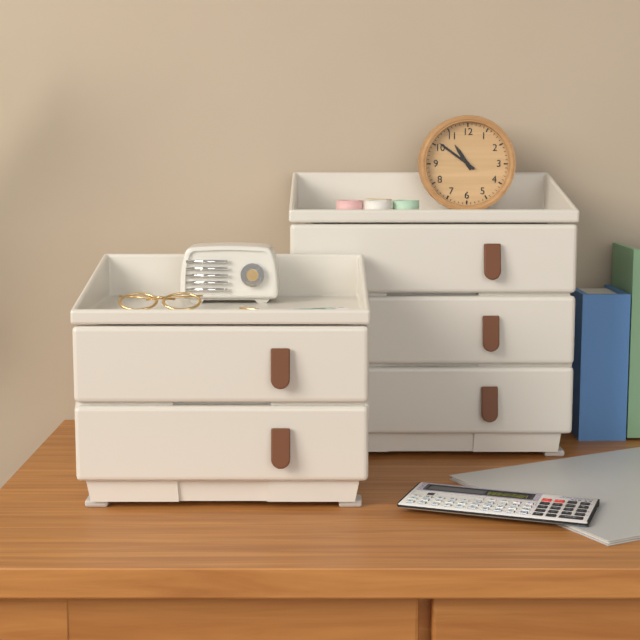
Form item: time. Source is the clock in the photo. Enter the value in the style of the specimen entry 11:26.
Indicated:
10:51
